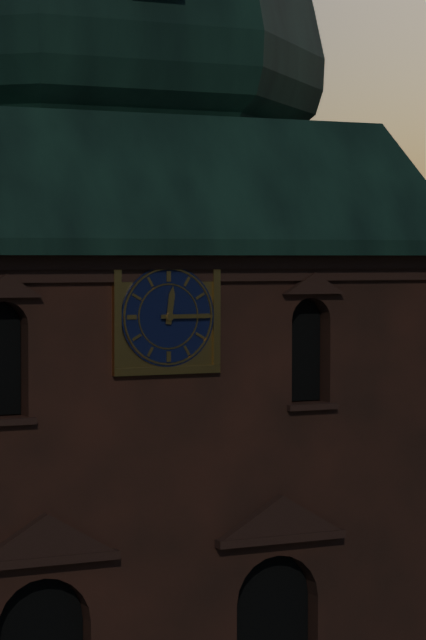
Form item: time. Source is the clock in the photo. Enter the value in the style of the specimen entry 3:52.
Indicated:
12:15
